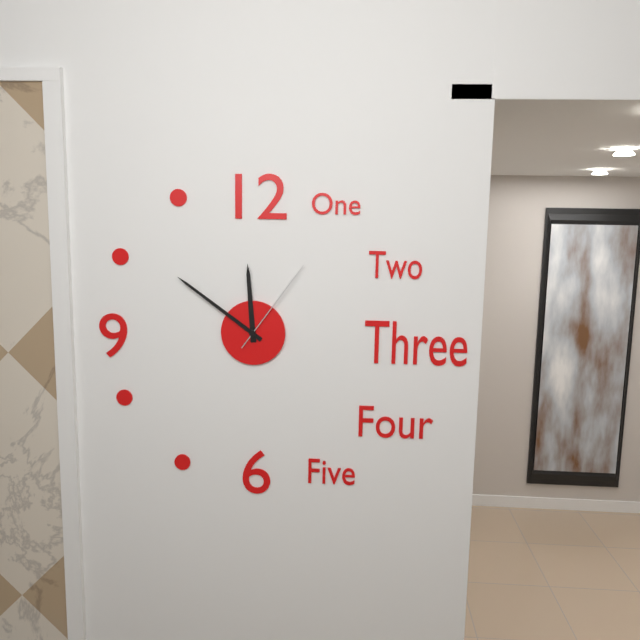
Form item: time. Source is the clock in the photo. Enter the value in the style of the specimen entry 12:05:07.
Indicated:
11:51:06
